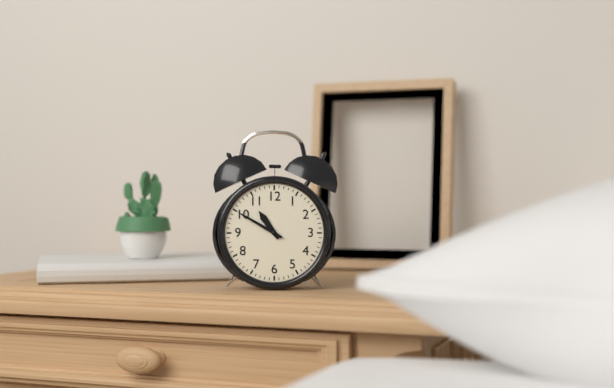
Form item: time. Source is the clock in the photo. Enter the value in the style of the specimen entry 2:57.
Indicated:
10:50
